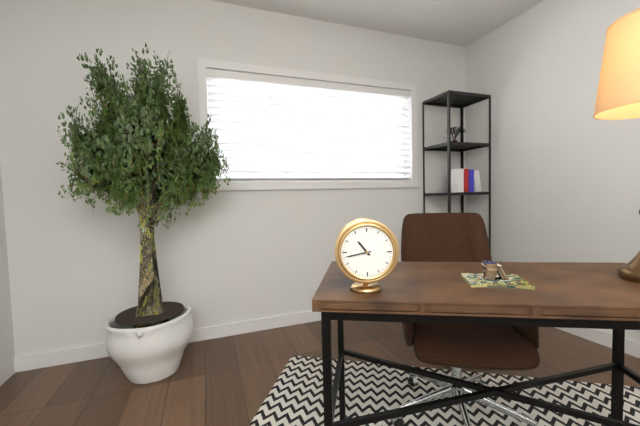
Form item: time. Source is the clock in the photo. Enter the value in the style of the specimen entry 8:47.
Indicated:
10:43
